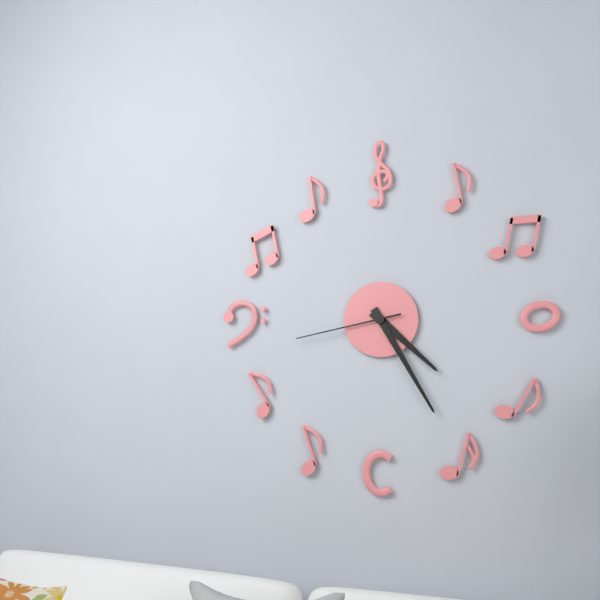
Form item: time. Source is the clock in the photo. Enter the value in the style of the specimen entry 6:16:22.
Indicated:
4:25:43
